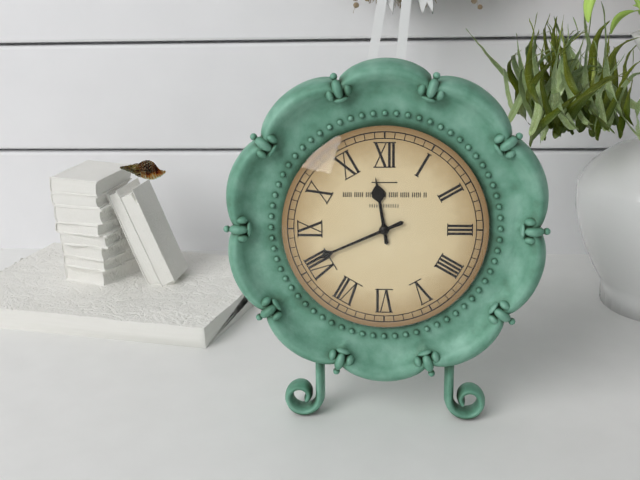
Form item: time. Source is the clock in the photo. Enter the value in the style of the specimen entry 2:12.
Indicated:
11:41
